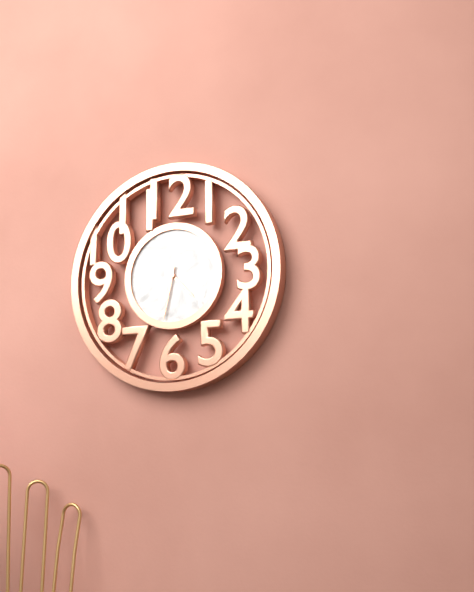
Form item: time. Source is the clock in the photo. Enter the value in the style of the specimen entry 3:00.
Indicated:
4:32
